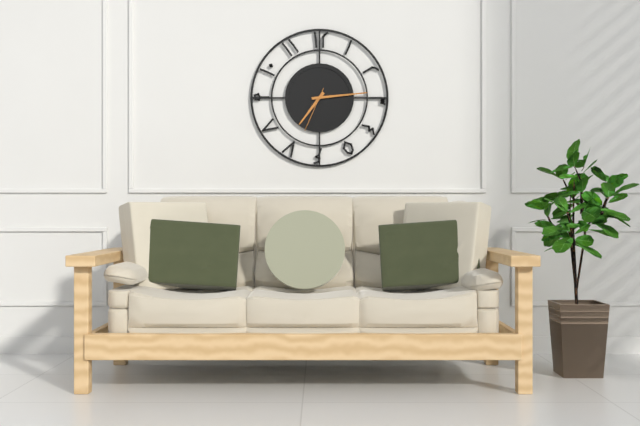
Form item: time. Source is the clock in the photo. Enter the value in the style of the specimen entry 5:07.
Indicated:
7:14
